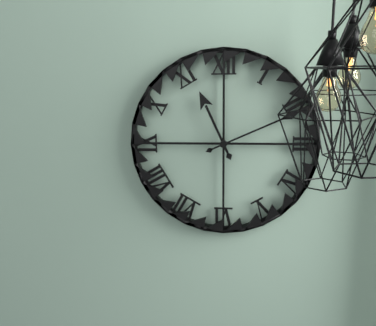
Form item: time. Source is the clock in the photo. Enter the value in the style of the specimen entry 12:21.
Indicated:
11:11
